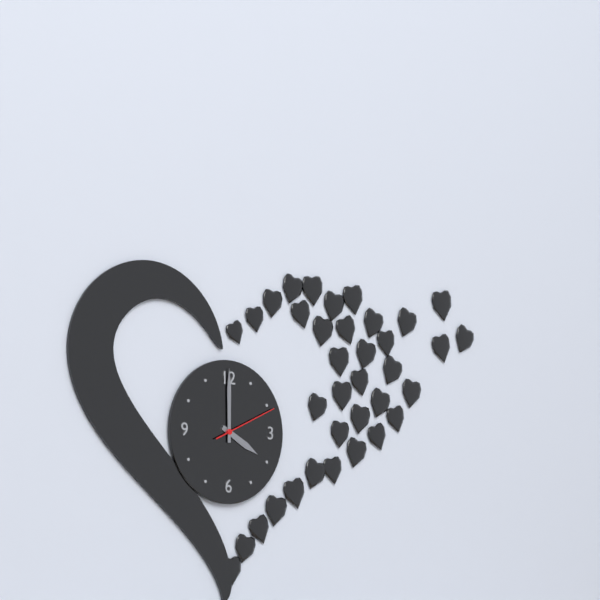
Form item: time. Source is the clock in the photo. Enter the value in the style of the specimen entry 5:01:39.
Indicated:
4:00:11
